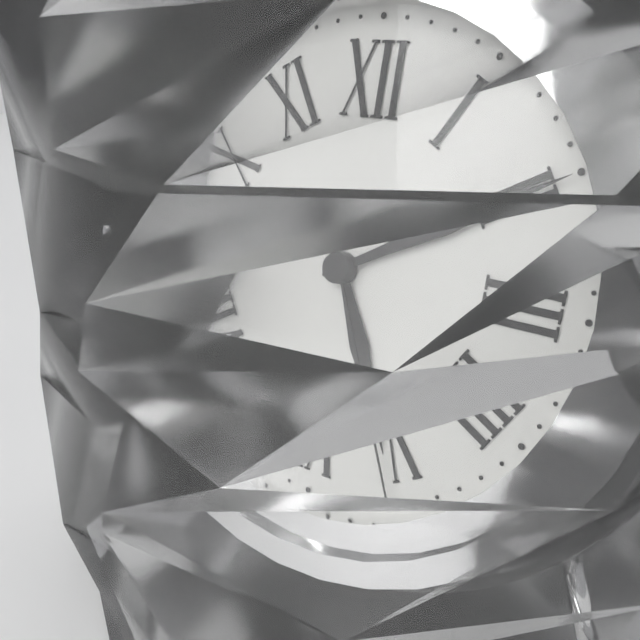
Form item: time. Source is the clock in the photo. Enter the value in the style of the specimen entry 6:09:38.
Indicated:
5:10:26
